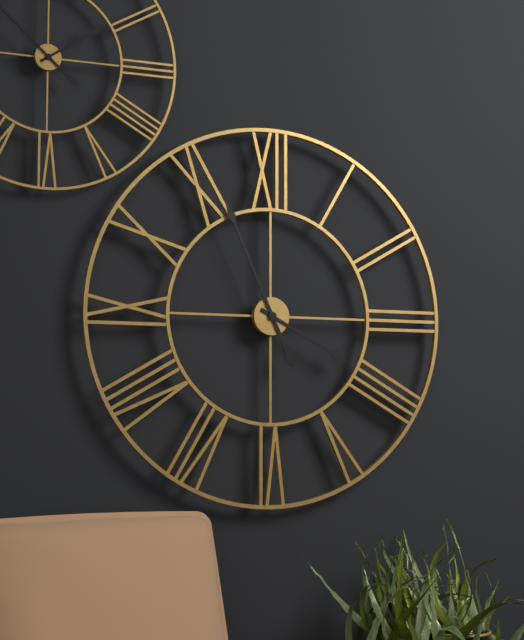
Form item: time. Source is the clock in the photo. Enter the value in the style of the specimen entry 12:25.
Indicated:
3:56
